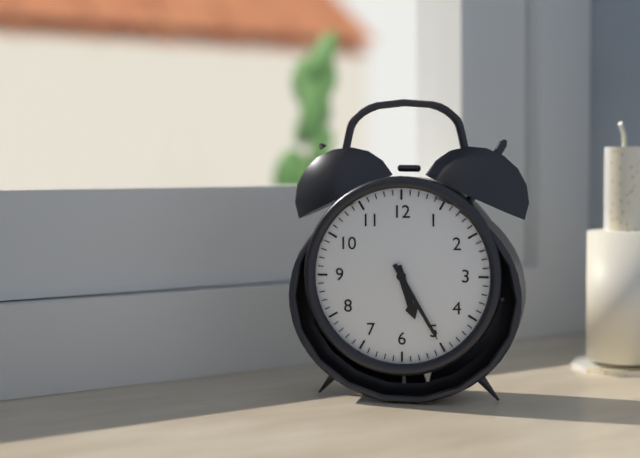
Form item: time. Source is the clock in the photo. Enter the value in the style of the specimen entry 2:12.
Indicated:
5:25
